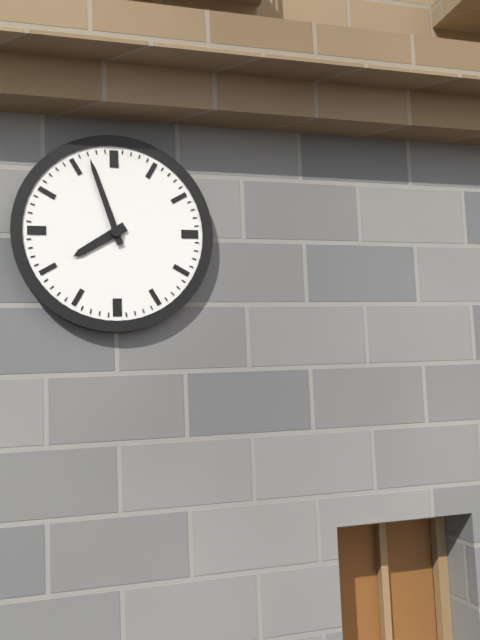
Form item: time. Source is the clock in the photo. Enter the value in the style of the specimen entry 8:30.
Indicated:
7:57
